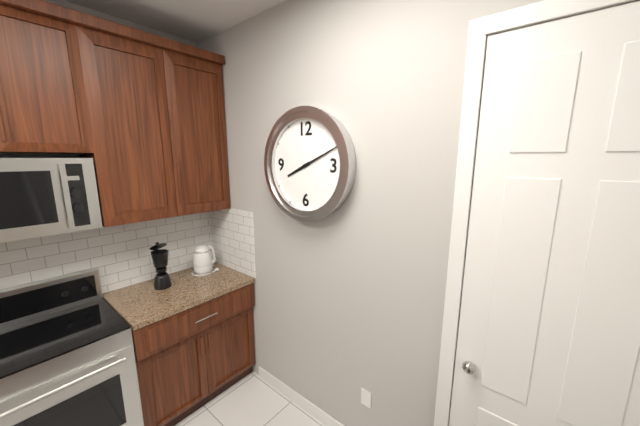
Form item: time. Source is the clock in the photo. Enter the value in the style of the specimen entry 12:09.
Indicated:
8:11
